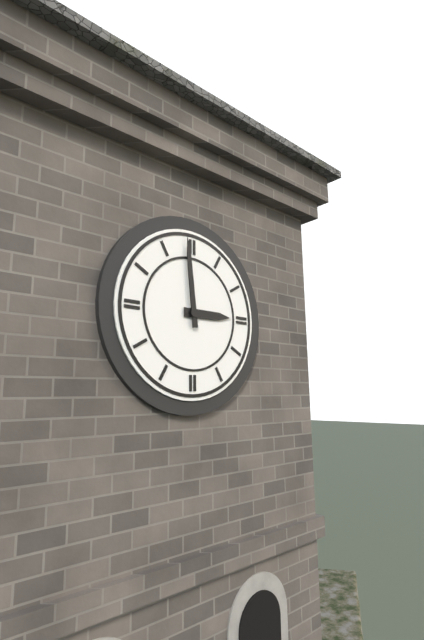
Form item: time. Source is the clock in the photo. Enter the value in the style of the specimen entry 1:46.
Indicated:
2:59
